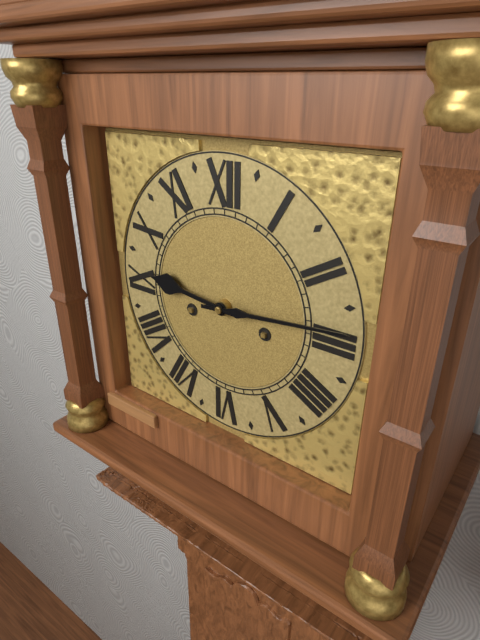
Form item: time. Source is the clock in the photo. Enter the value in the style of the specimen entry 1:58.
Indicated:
9:14
